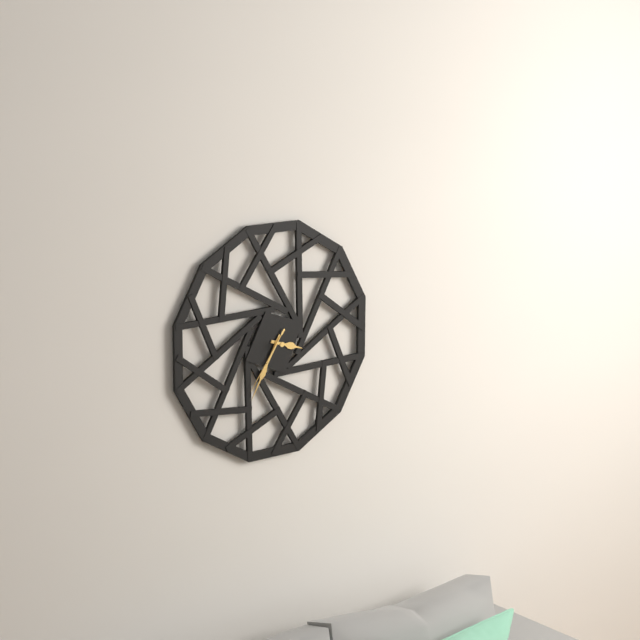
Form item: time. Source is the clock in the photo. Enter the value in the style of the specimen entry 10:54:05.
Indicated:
3:35:36
